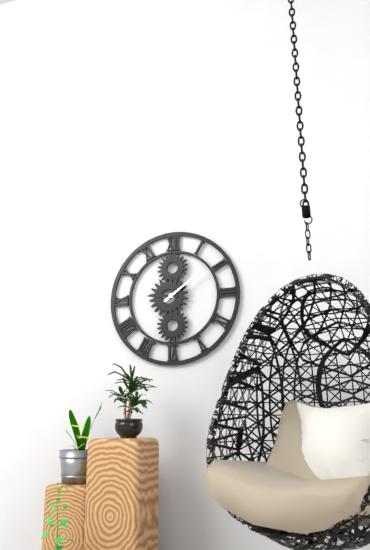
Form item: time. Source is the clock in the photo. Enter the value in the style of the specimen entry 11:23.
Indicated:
9:09
